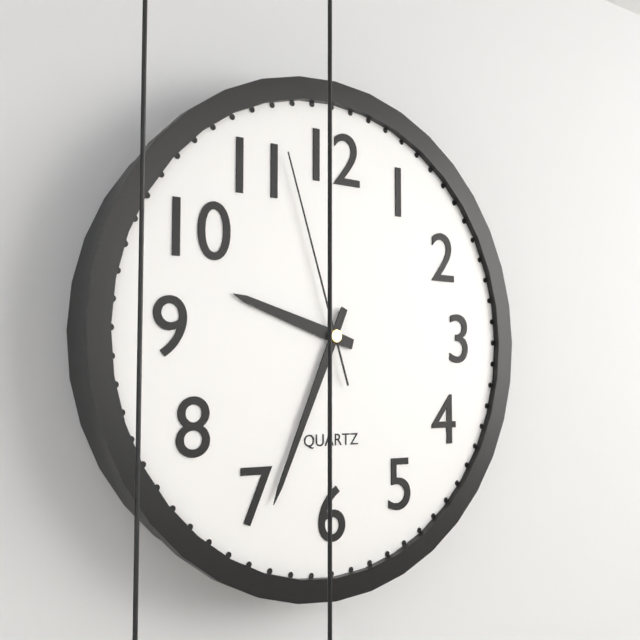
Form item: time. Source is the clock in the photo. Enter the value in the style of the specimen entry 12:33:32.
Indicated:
9:34:57
